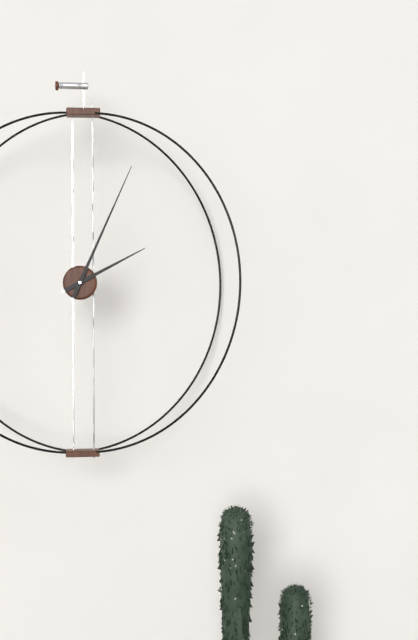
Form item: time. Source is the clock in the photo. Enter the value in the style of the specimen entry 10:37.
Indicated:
2:04
